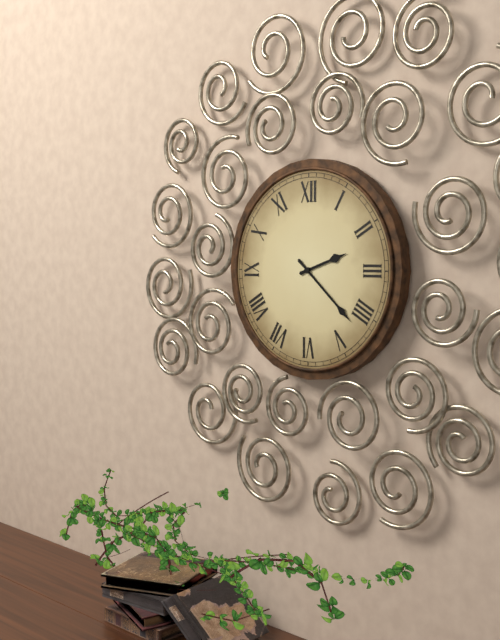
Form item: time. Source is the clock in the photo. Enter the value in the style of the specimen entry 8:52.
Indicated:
2:22
